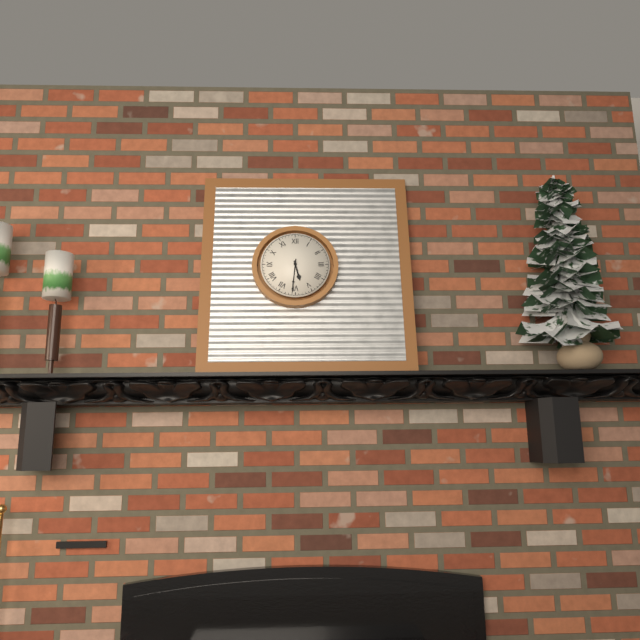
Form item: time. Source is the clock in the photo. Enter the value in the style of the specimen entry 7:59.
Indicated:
5:31
